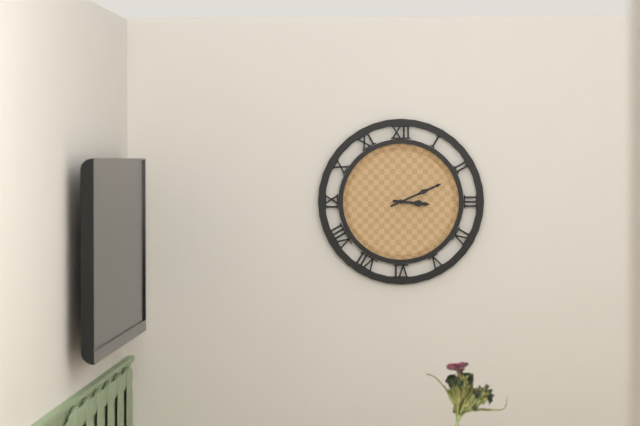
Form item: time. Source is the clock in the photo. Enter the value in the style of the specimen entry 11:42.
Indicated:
3:11
